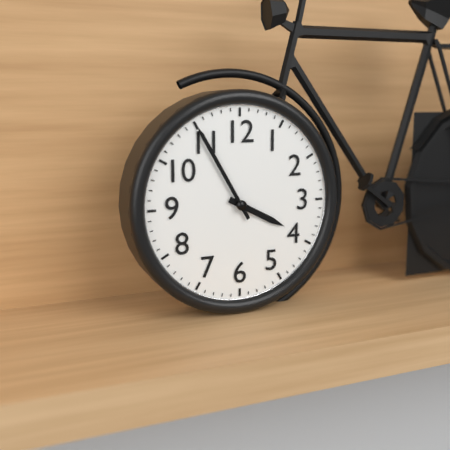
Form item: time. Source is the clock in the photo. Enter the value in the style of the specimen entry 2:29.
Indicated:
3:55
